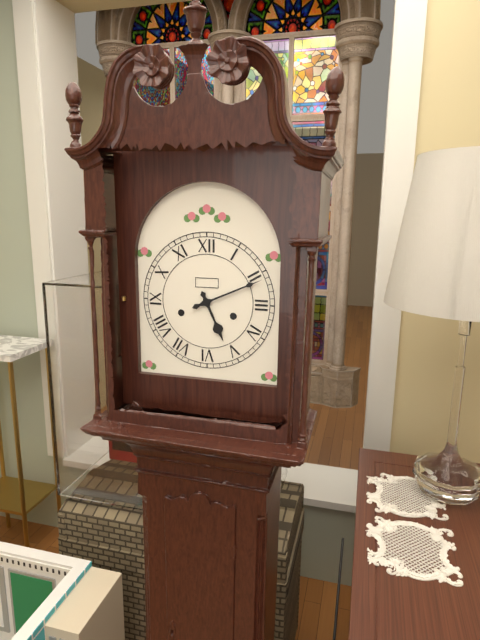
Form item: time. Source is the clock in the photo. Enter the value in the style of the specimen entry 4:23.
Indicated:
5:11
